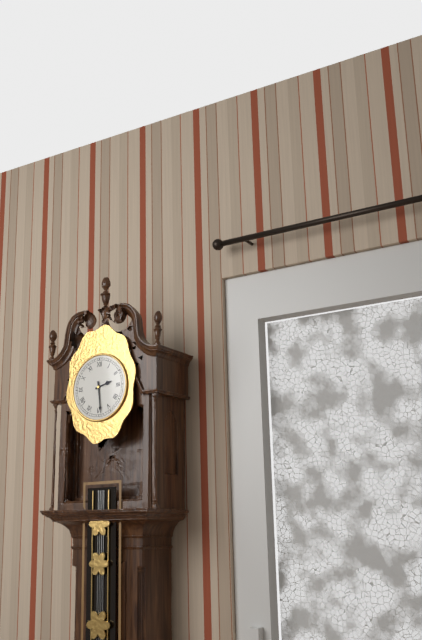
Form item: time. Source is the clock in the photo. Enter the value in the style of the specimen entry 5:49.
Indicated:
2:29
